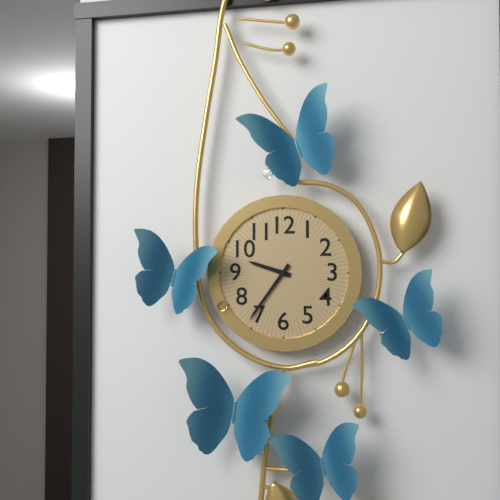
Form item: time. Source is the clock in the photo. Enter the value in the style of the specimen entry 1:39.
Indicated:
9:36
